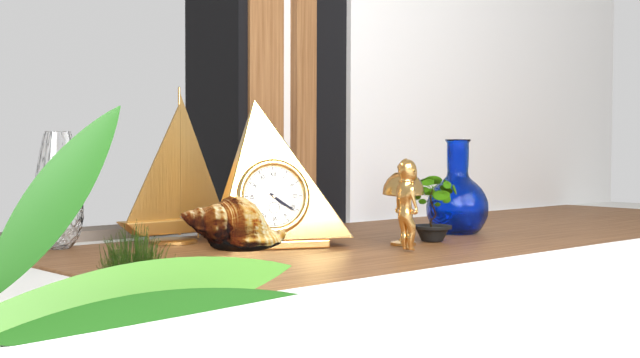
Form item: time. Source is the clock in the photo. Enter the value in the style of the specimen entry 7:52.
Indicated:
4:21
